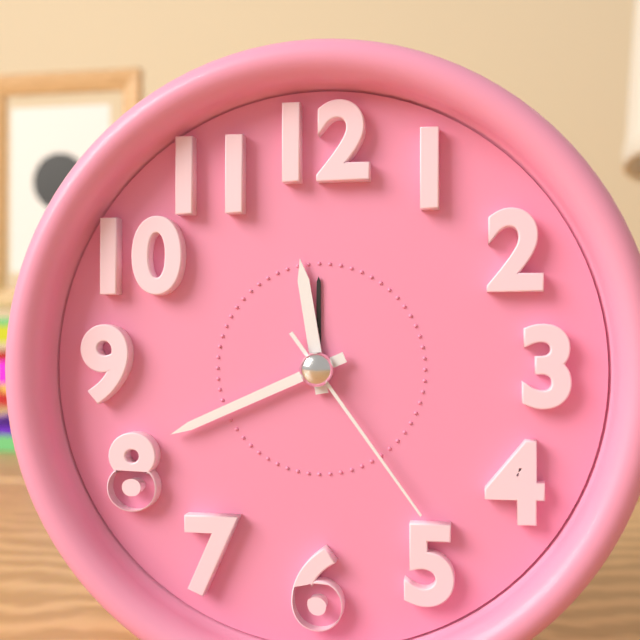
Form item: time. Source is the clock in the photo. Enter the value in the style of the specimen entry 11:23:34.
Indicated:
11:41:24
